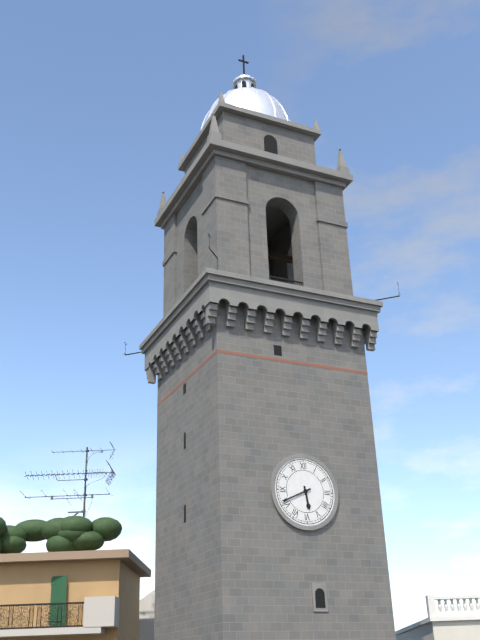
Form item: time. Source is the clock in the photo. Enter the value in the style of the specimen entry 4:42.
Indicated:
5:41
